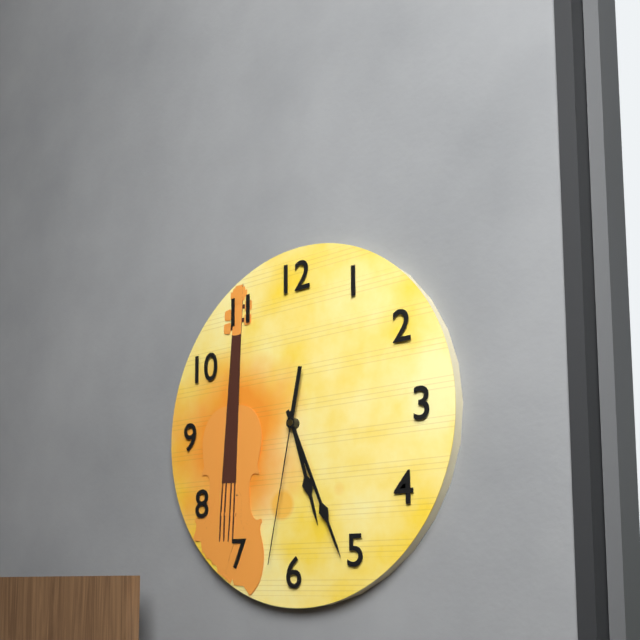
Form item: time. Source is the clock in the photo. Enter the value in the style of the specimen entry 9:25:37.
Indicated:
5:26:32
